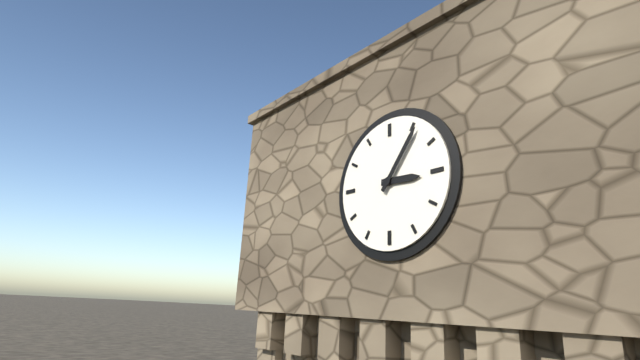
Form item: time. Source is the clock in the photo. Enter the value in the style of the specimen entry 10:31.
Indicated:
3:06
